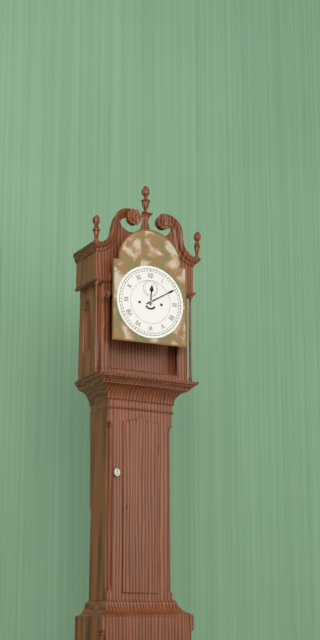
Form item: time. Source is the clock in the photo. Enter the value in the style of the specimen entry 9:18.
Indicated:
12:10
